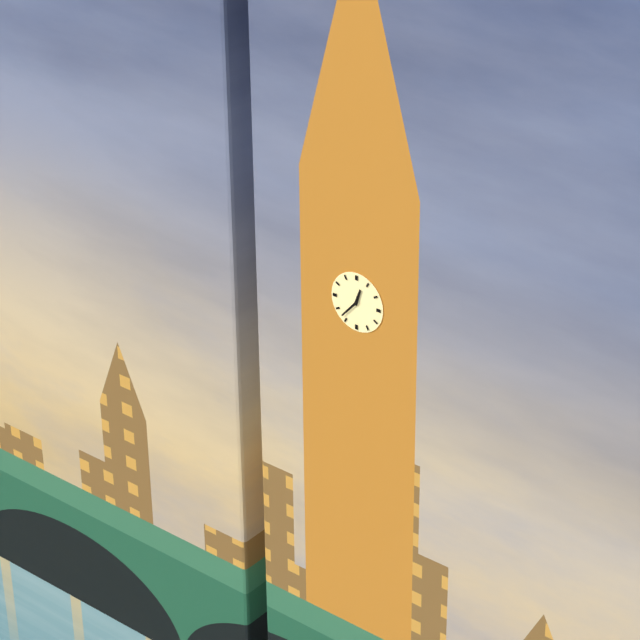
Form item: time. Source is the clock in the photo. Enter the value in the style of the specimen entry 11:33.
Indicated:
12:37
